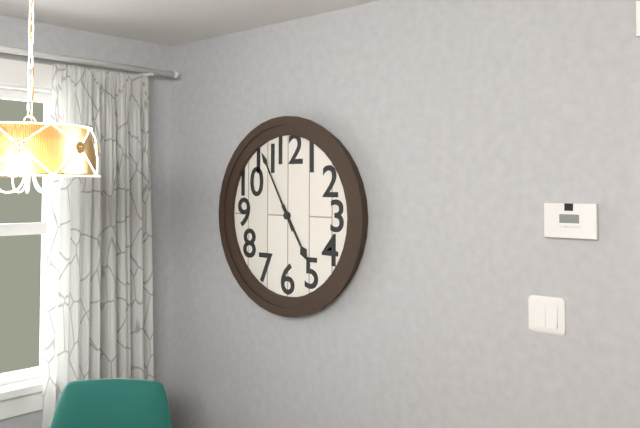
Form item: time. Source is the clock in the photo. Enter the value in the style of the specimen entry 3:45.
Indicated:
4:55
